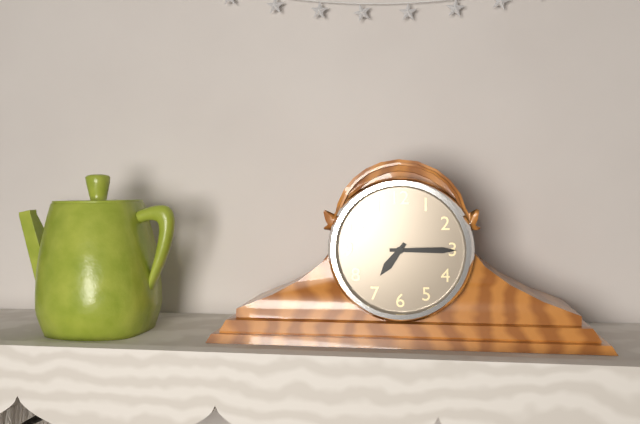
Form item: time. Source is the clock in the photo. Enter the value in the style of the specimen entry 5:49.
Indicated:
7:15
